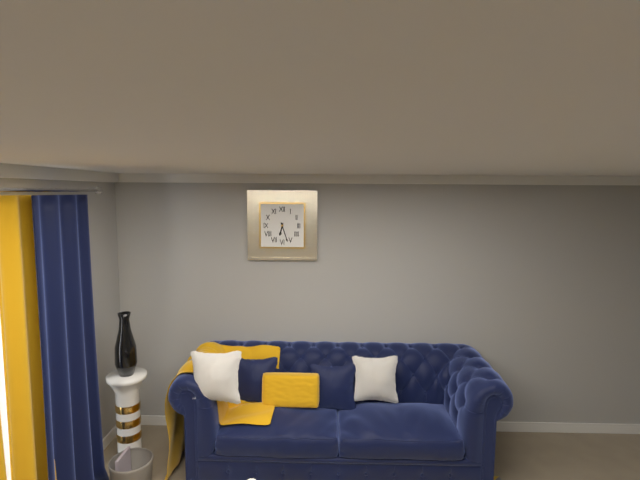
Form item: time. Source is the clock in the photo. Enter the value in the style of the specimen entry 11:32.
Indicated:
6:27
